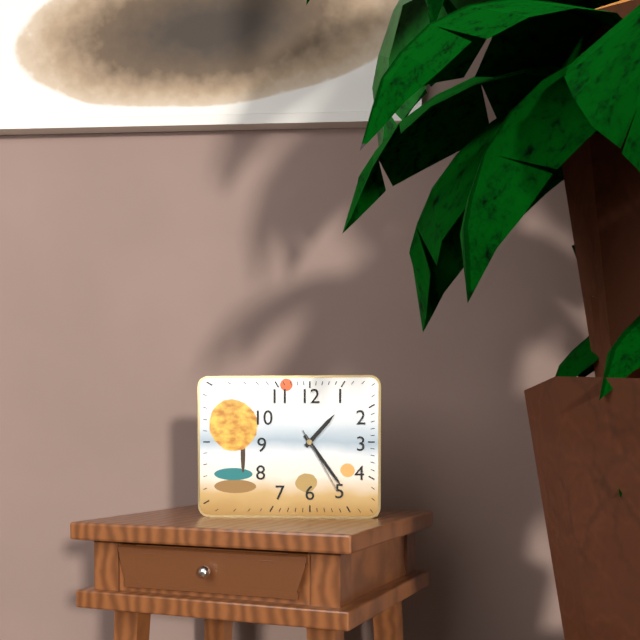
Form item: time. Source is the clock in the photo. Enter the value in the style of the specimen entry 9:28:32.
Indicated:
1:24:25
